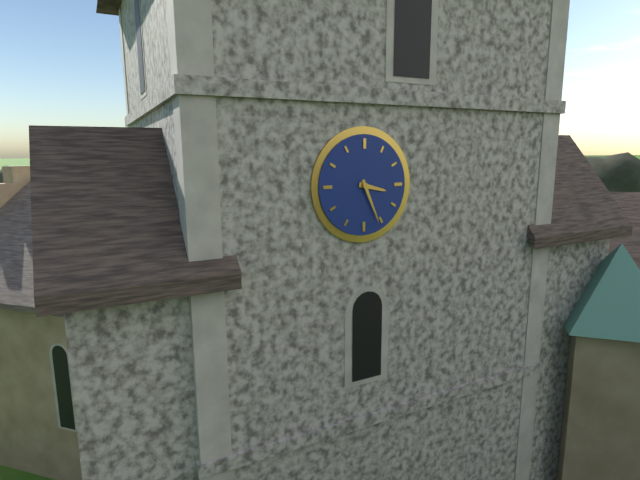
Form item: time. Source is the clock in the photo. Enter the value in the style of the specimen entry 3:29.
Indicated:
3:26
